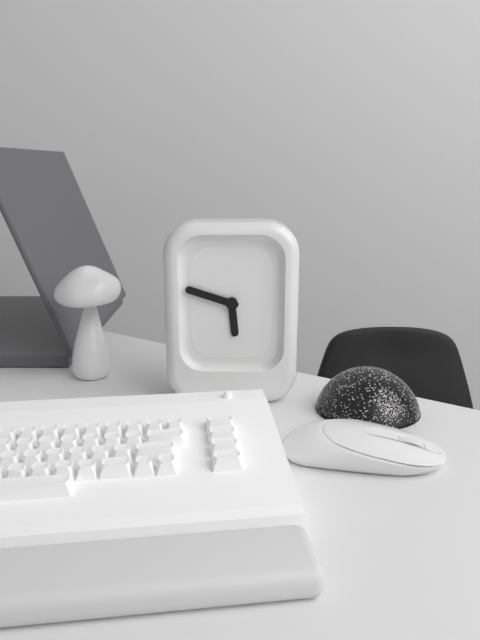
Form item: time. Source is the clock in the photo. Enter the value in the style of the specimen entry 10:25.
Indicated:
5:48
